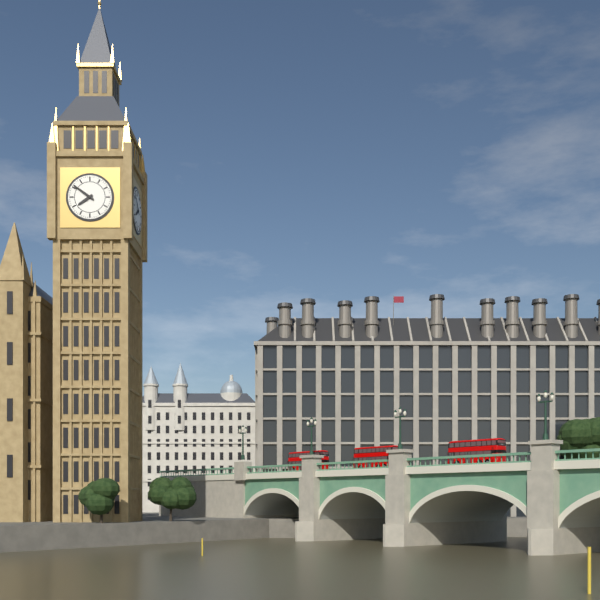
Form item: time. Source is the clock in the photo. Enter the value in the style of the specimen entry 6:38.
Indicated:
7:51
